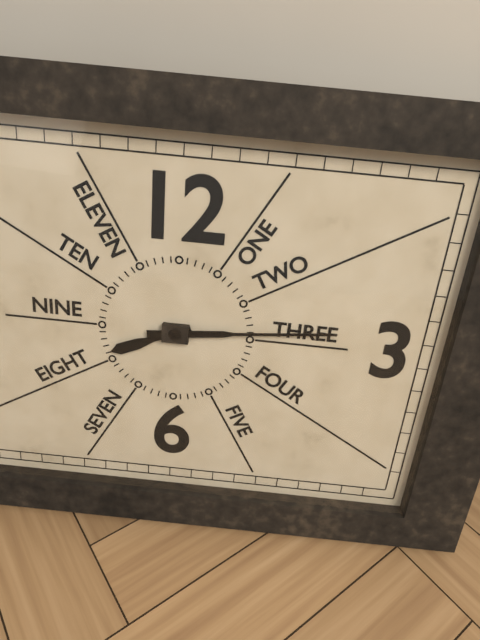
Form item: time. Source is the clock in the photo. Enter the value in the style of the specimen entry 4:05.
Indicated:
8:14
